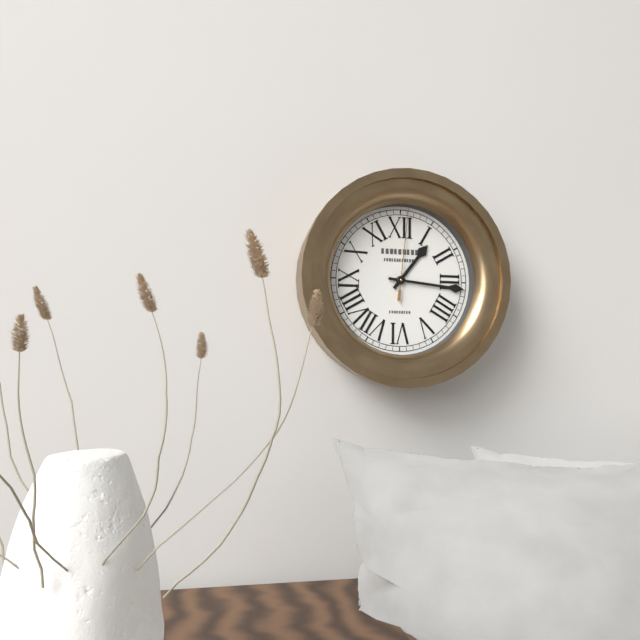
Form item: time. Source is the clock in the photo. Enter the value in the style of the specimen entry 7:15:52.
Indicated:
1:16:01
